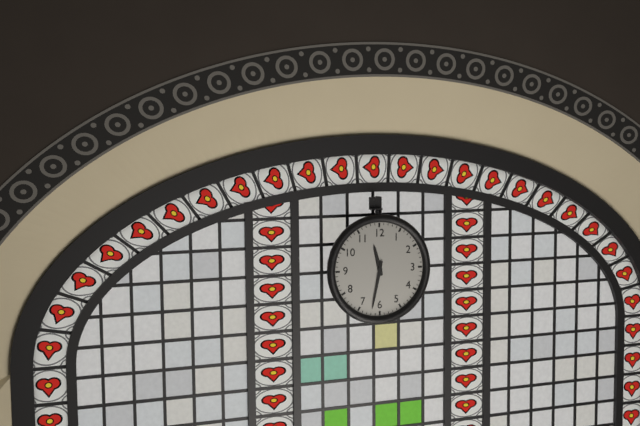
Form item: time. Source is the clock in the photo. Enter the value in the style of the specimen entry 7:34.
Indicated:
11:32
